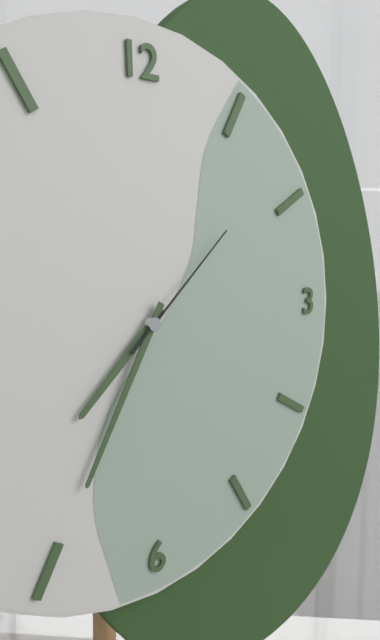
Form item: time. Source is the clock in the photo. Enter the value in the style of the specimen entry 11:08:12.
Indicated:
7:35:08
